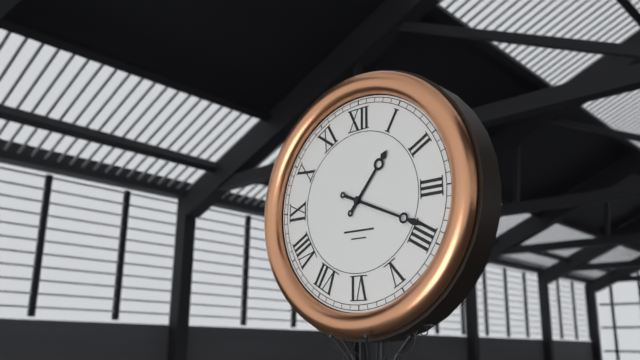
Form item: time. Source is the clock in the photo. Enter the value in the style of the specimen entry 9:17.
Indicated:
1:19
